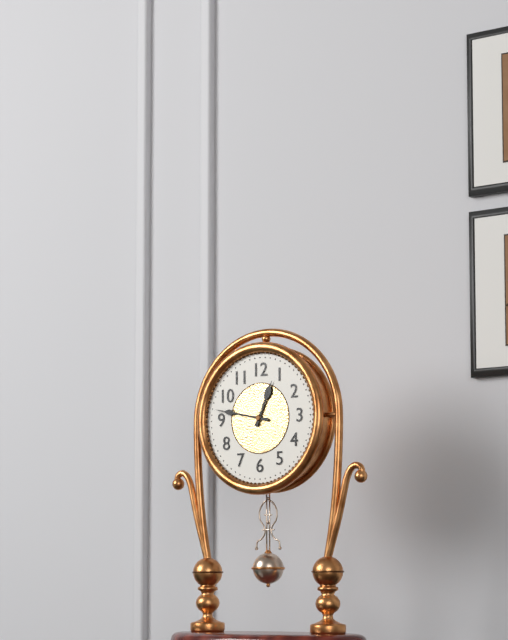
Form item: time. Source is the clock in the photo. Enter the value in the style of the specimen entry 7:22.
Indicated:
12:47
